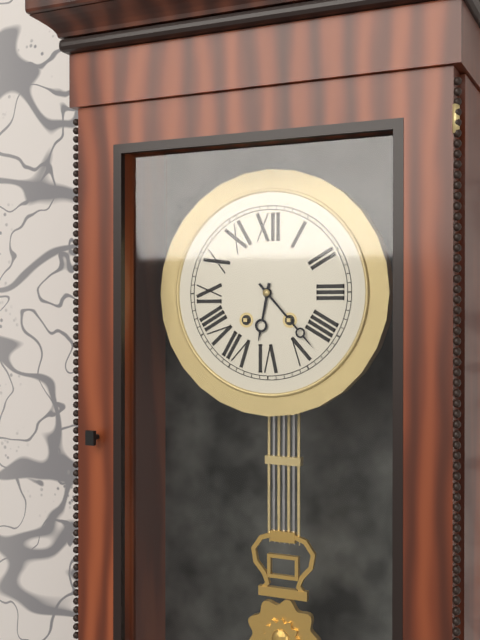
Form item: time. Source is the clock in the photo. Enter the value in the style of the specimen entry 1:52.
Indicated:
6:23
